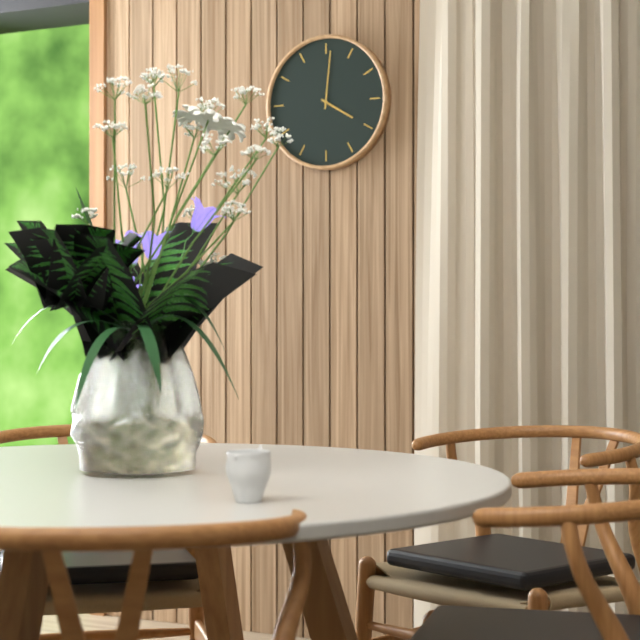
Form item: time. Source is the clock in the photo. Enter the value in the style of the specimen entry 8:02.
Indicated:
4:01
